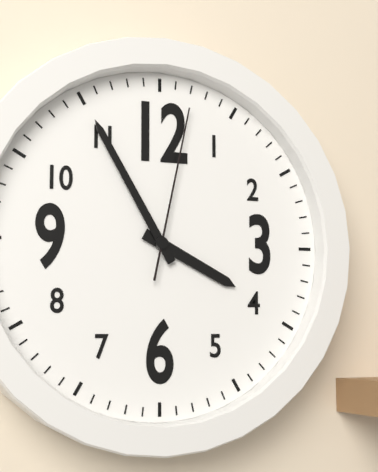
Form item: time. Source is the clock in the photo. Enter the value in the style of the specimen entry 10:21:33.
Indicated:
3:55:02
